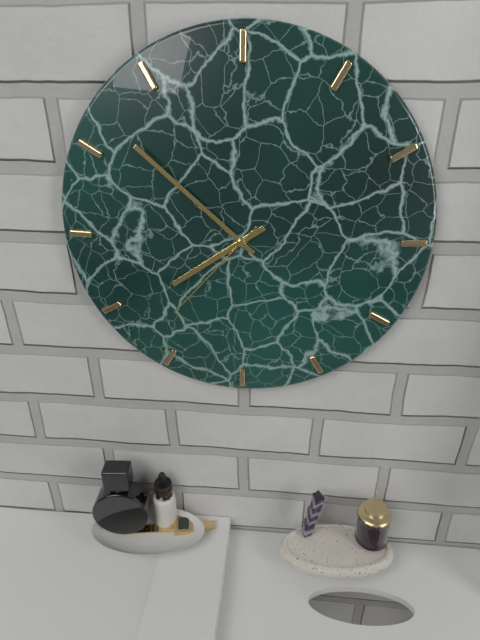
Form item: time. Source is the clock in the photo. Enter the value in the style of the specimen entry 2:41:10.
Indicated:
7:52:37
